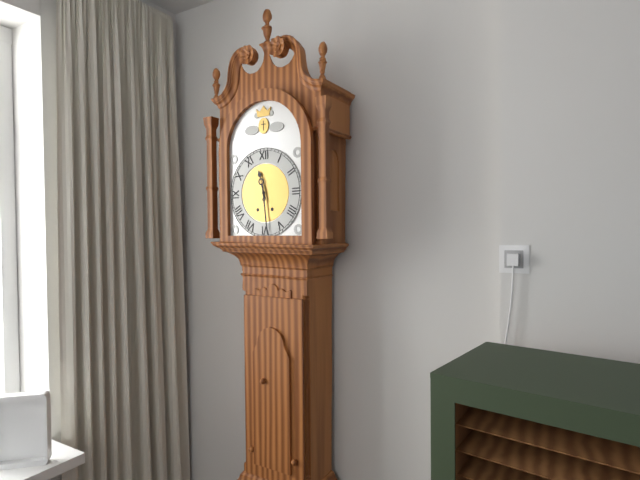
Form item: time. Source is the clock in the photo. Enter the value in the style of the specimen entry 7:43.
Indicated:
11:29
